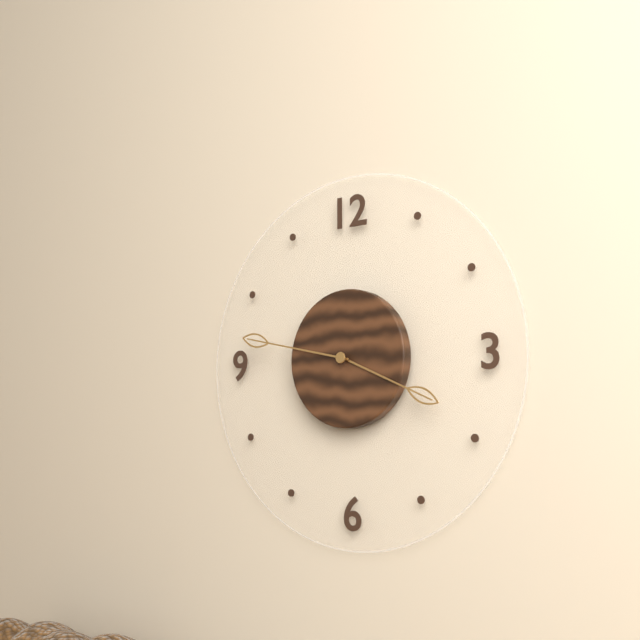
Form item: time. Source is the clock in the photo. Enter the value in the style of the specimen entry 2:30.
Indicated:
3:47
